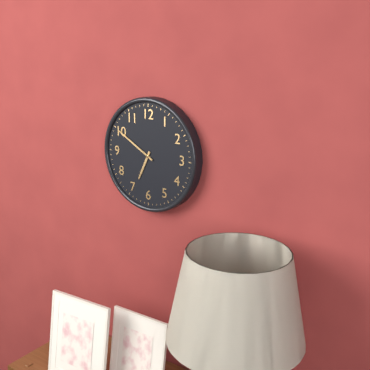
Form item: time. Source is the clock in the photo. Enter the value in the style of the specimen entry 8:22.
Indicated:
6:50
